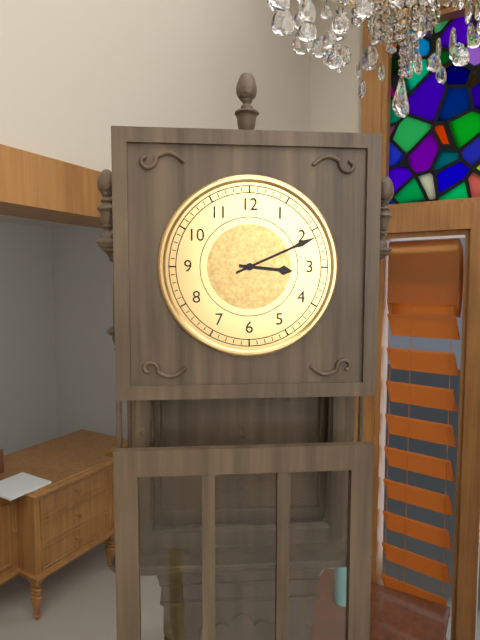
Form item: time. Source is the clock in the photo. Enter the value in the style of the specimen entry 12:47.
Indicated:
3:11
